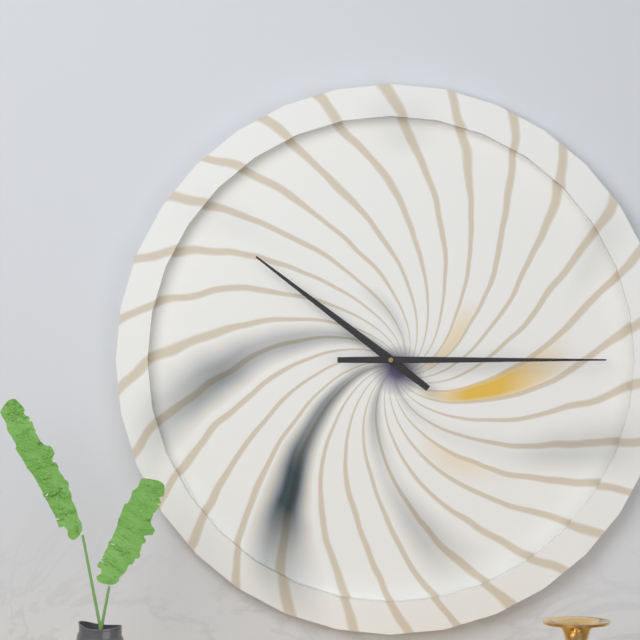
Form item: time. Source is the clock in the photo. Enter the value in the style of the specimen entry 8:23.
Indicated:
10:15
